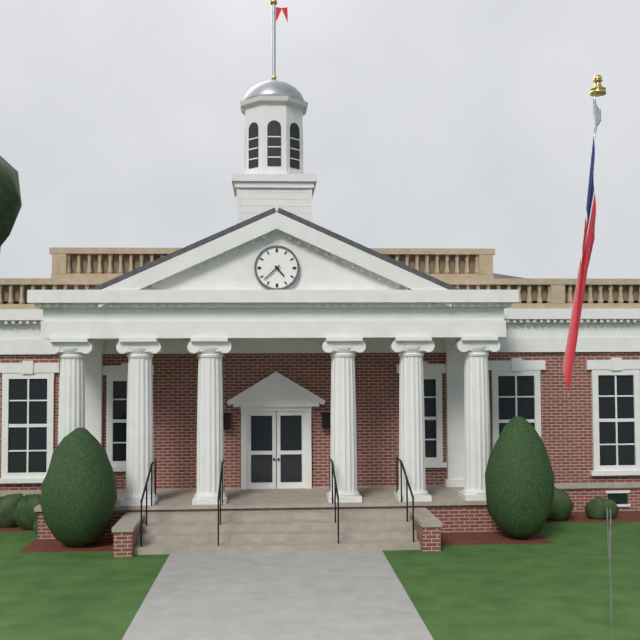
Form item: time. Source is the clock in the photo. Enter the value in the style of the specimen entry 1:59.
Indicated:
4:38
